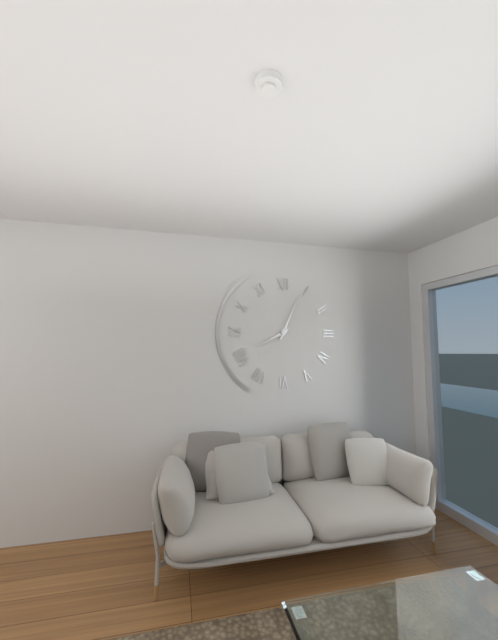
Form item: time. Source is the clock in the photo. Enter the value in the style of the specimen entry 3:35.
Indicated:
8:04
